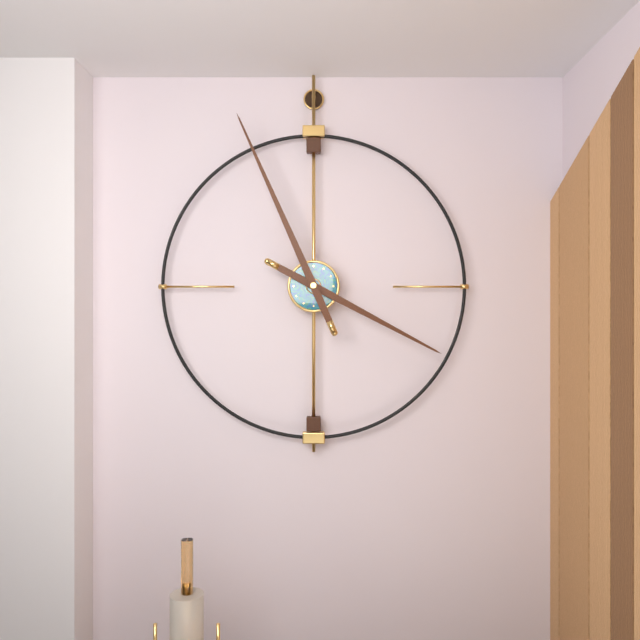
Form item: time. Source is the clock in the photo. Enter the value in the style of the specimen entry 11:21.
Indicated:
3:56
